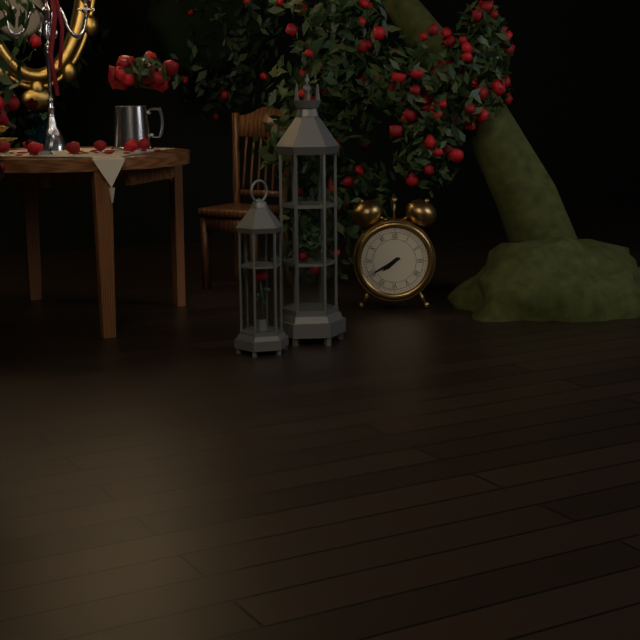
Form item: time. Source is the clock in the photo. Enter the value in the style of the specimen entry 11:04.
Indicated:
7:40
